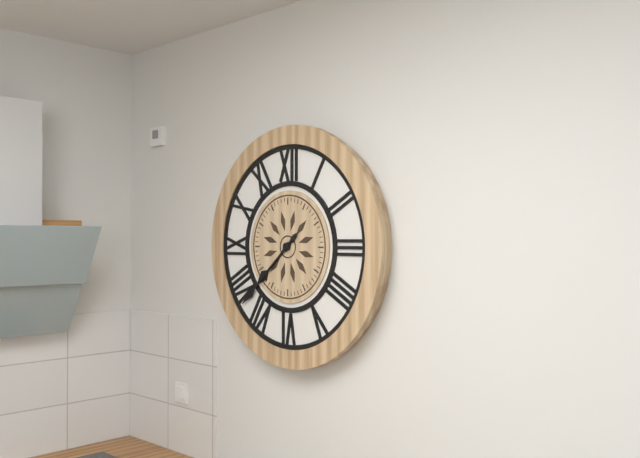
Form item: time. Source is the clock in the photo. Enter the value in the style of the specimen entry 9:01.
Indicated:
7:38
